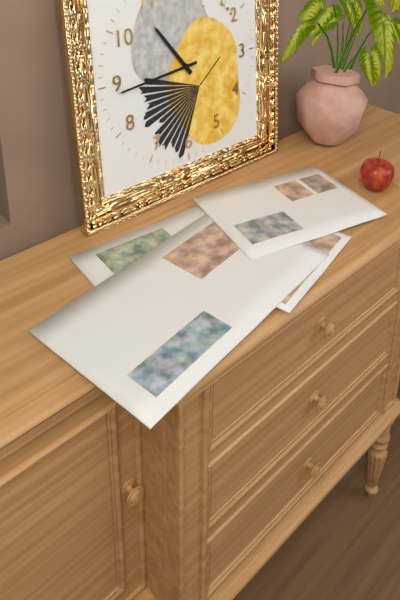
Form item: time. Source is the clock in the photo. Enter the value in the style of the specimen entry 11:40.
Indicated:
10:44
